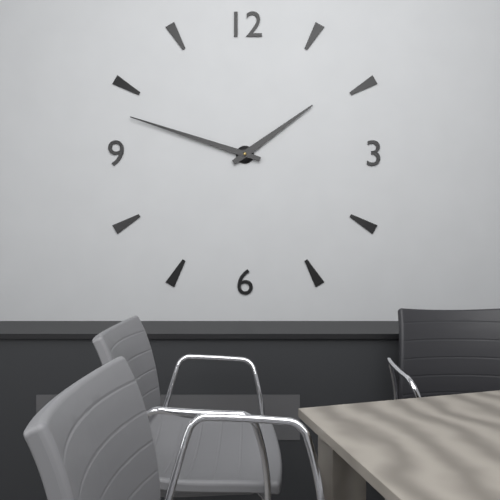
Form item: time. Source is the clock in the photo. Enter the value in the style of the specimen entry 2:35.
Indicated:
1:48
